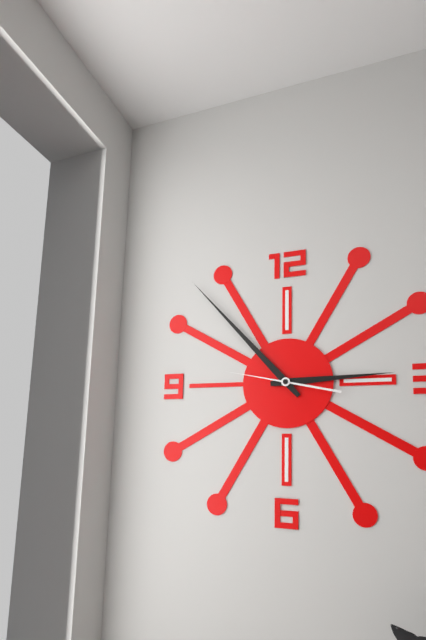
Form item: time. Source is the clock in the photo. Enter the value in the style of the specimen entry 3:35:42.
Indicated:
2:53:47
